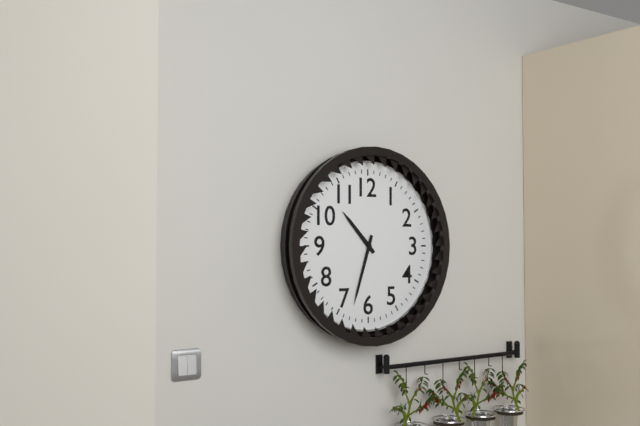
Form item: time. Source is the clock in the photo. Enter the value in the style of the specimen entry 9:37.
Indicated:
10:33
